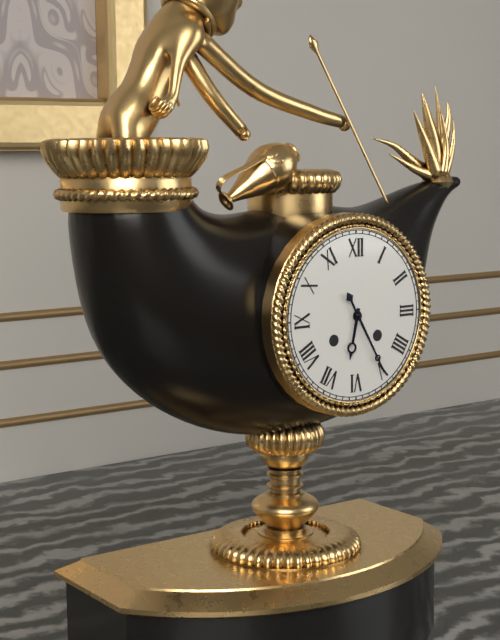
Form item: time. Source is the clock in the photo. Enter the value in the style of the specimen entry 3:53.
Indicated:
6:25
